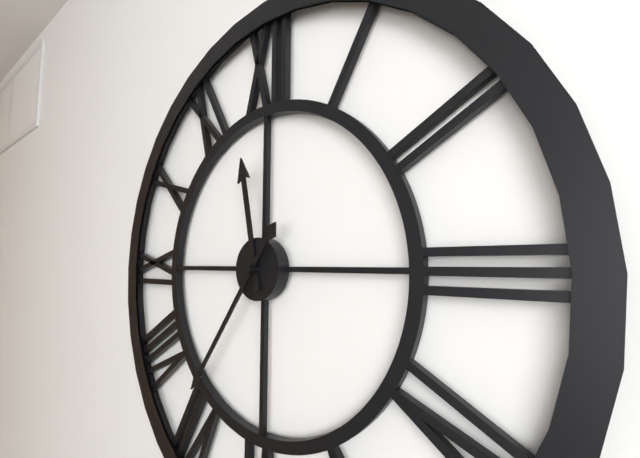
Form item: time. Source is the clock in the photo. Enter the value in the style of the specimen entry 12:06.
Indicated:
11:36
